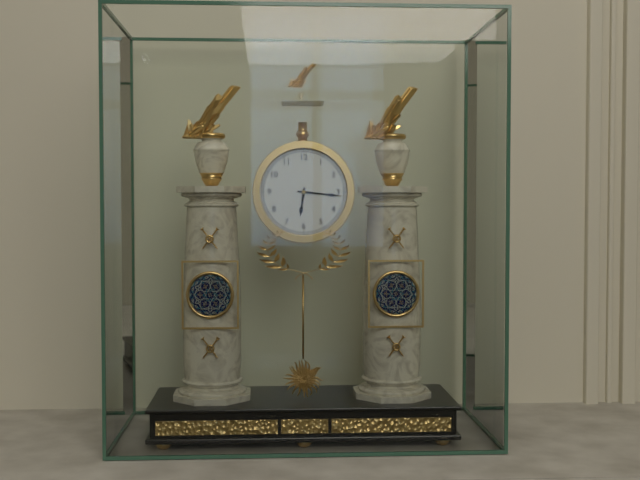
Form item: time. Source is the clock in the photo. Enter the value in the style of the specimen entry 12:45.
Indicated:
6:16
